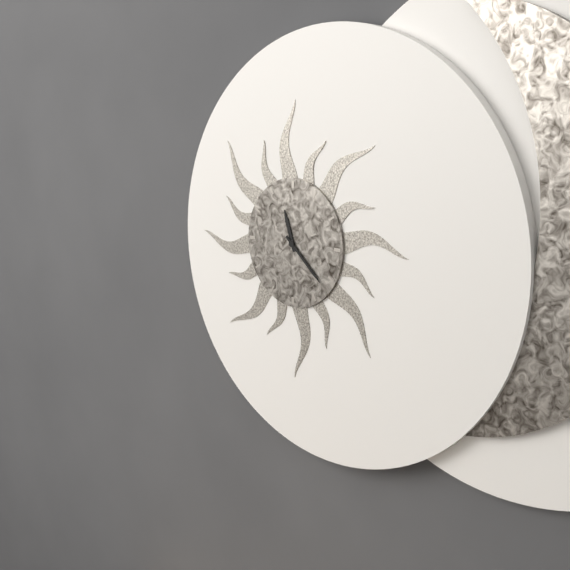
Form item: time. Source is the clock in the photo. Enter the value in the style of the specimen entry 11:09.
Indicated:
11:22
